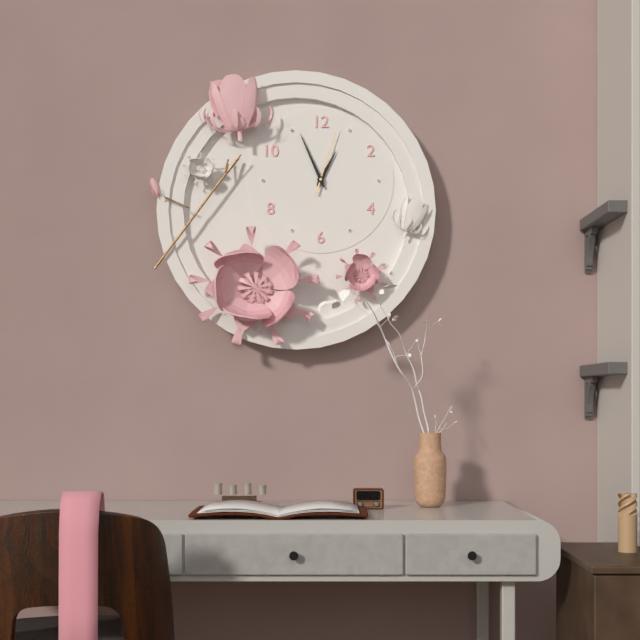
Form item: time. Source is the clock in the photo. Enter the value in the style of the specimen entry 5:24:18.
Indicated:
12:56:03
